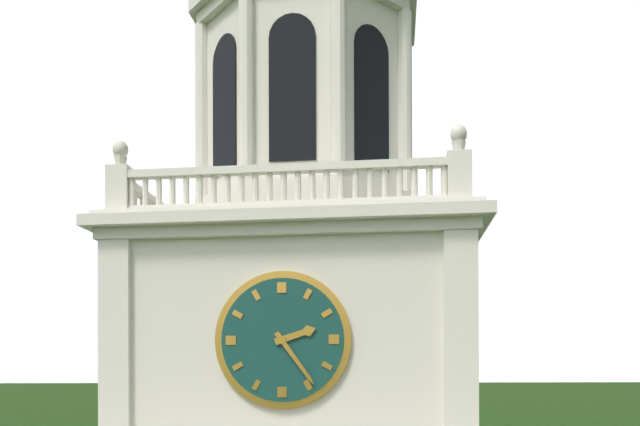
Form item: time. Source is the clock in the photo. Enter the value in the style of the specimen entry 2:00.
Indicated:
2:24
